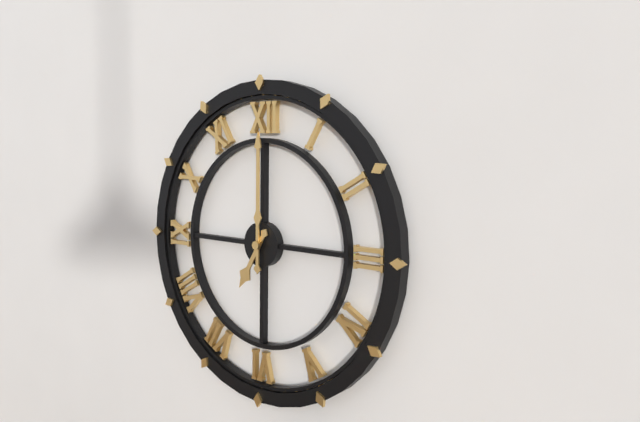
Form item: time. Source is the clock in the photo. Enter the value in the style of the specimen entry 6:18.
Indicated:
7:00
